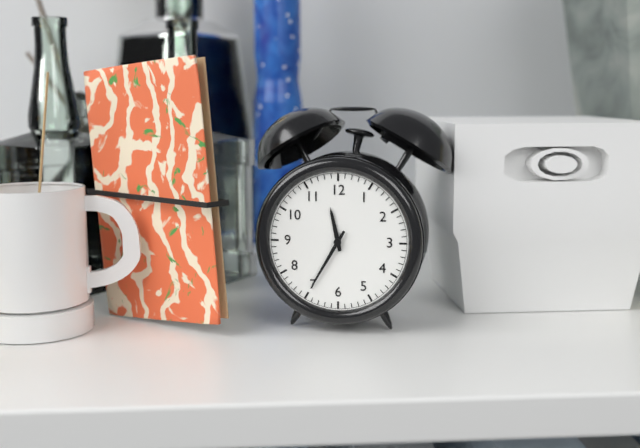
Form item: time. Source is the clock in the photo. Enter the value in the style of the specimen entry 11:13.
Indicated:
11:35
